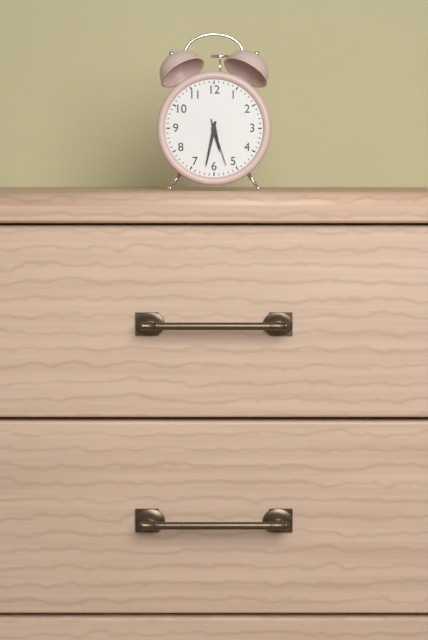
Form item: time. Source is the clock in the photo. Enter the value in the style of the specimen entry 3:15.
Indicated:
5:32
